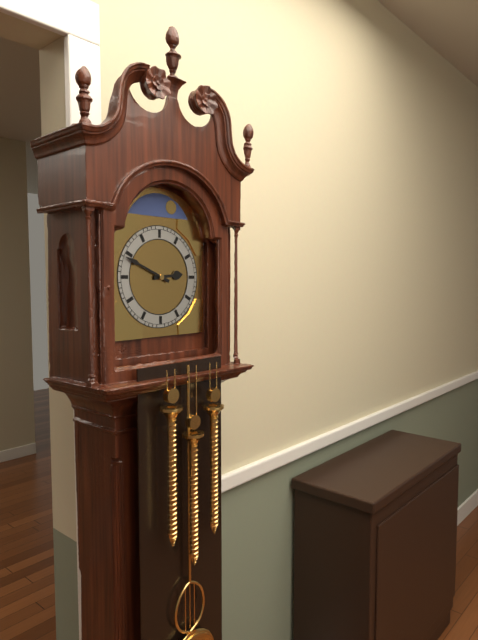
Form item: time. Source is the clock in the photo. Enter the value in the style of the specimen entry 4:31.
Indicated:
2:49
